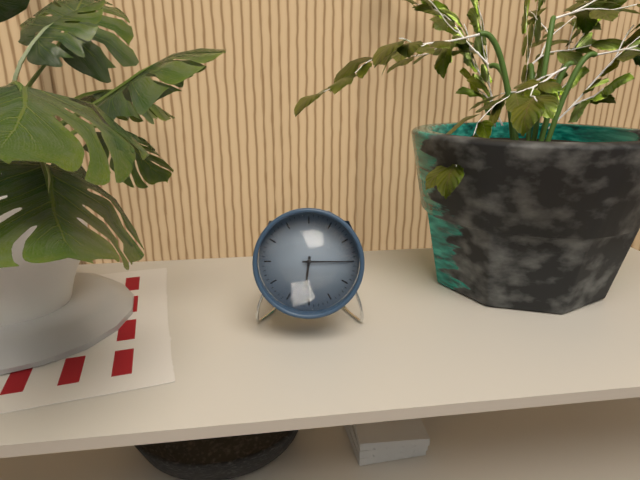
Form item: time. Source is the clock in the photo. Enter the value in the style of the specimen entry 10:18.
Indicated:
6:15
